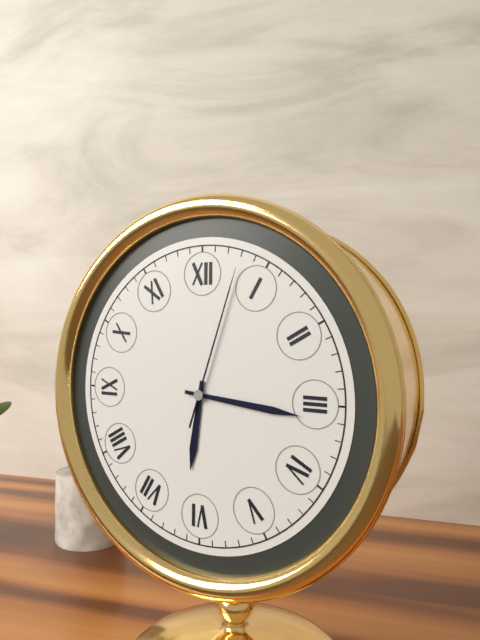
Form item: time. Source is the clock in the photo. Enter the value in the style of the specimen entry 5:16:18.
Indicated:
6:16:03
